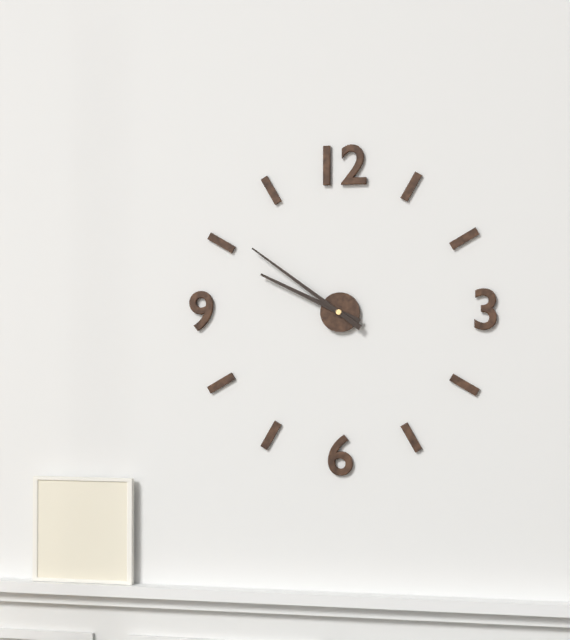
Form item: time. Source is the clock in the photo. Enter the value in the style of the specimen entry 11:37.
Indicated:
9:51
